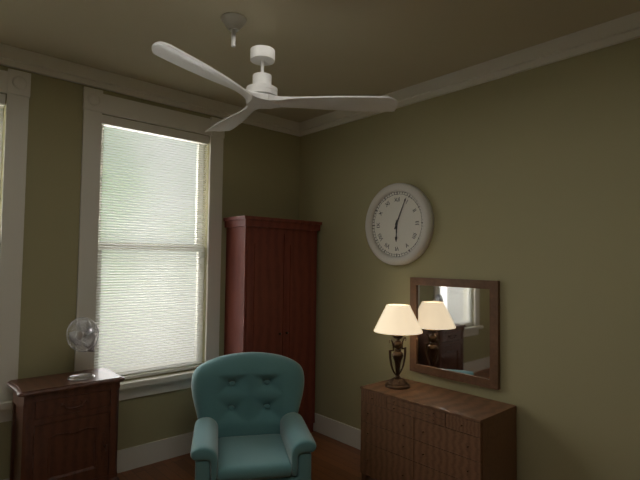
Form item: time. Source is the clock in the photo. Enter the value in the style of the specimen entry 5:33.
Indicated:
6:04
